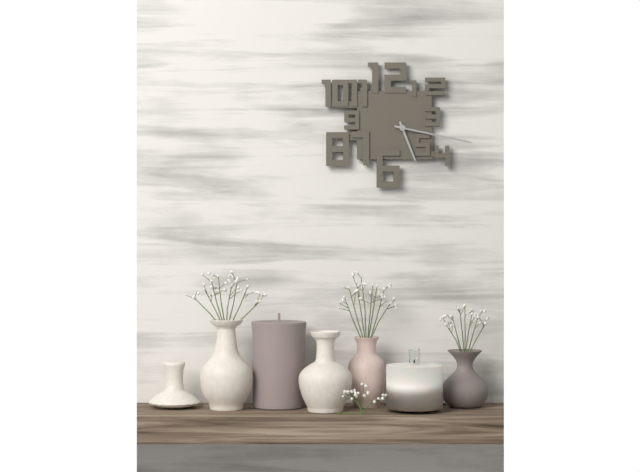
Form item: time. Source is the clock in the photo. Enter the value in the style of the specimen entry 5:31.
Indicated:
5:17
